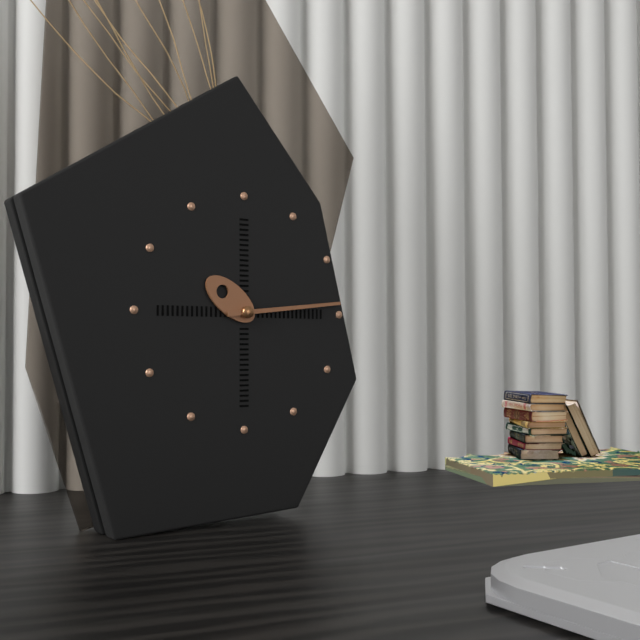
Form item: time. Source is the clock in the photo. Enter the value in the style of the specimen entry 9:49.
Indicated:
10:14
